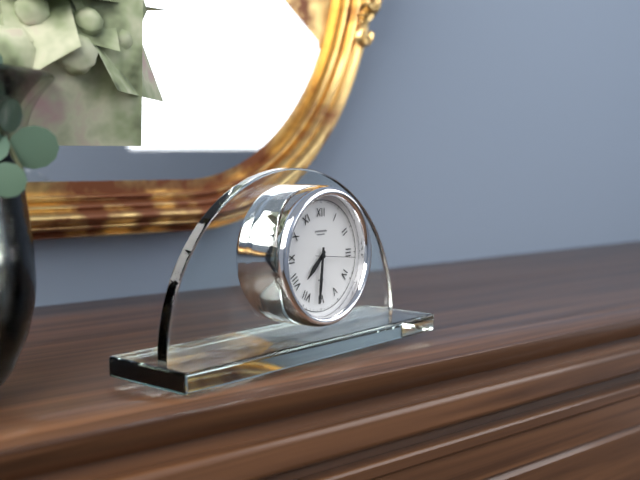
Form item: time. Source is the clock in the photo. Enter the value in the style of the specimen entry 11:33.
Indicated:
7:31
